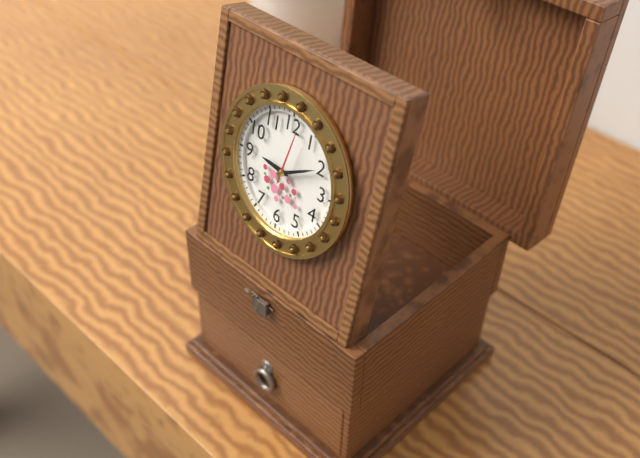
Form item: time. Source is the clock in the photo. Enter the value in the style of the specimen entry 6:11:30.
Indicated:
9:10:02
